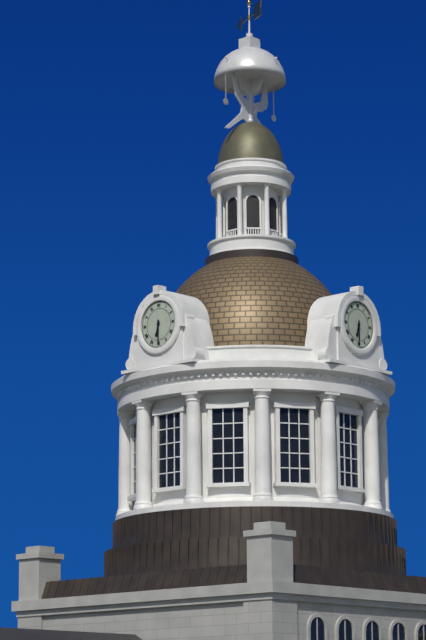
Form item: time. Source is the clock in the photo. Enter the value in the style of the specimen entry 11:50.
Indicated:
6:30
